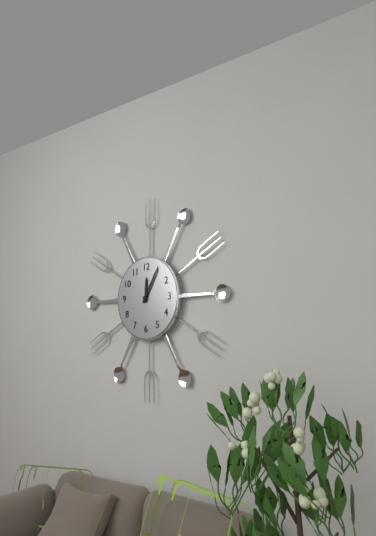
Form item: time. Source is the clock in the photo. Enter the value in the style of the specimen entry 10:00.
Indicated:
12:05
